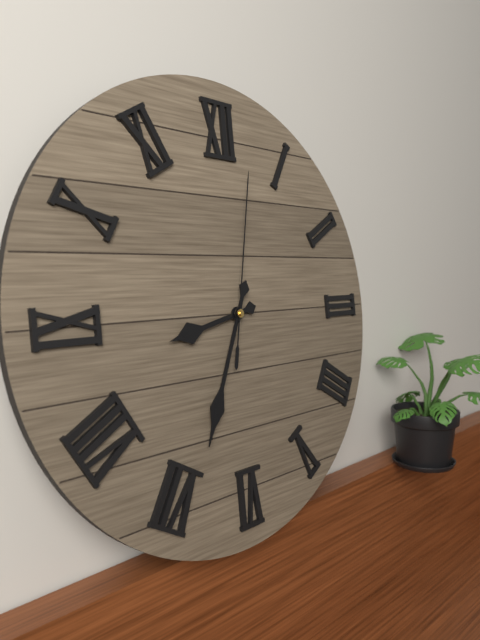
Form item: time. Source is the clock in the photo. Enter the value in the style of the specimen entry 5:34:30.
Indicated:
8:34:02
